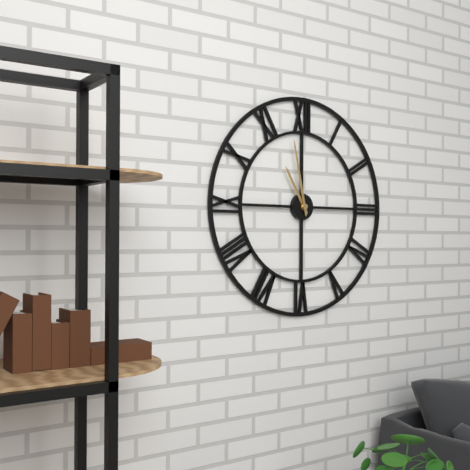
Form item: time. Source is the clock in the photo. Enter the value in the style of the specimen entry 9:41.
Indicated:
10:58
